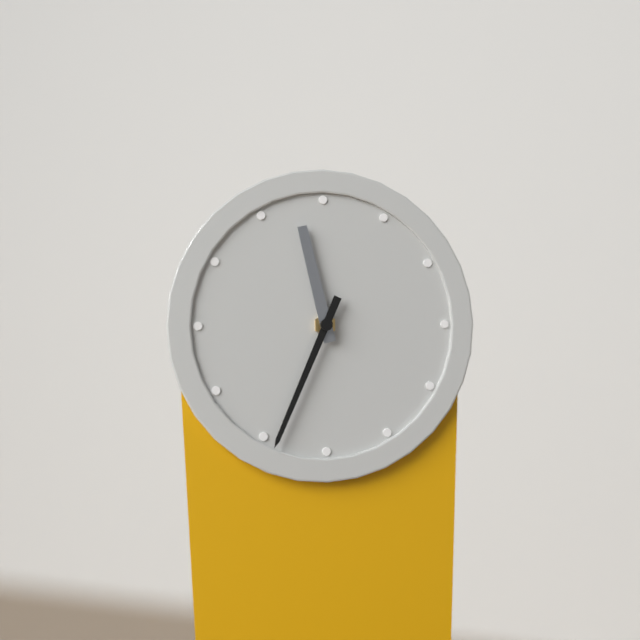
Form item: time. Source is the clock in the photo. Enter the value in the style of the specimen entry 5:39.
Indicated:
11:34
